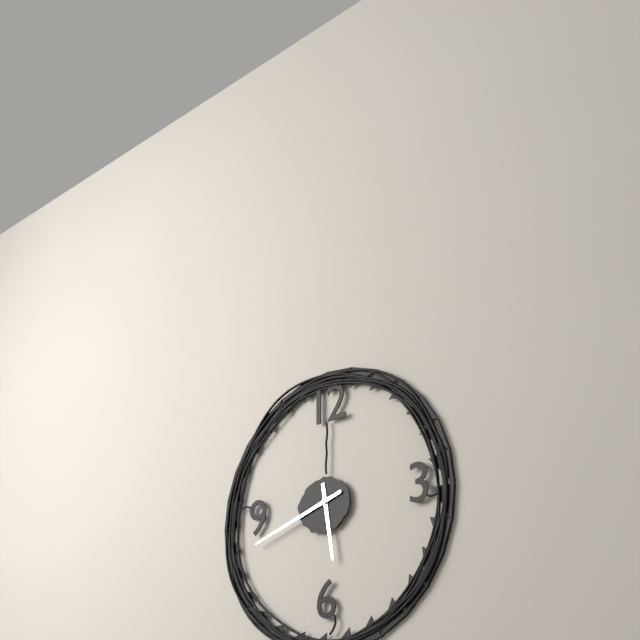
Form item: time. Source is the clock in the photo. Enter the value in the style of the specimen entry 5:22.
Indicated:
5:42
